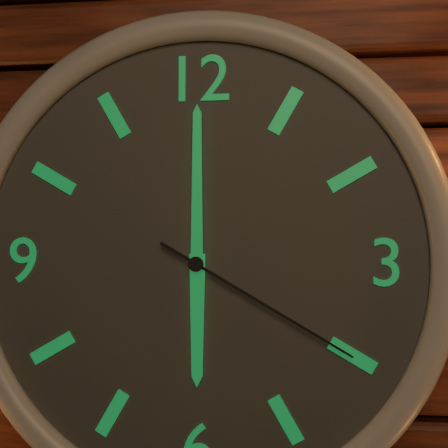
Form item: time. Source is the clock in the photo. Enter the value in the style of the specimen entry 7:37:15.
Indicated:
6:00:20
